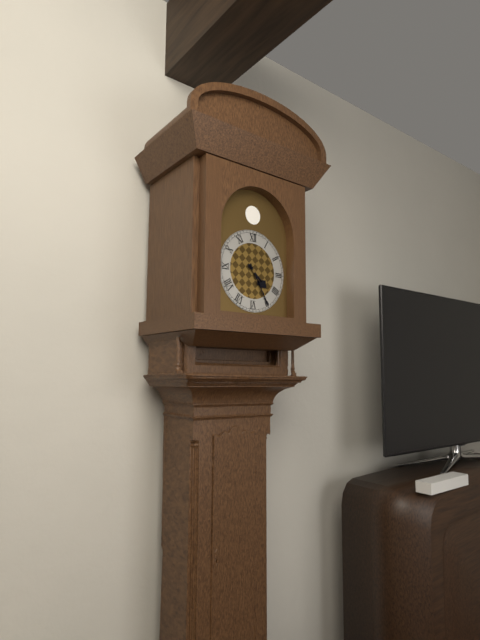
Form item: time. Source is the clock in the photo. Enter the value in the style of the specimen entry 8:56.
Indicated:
4:25
